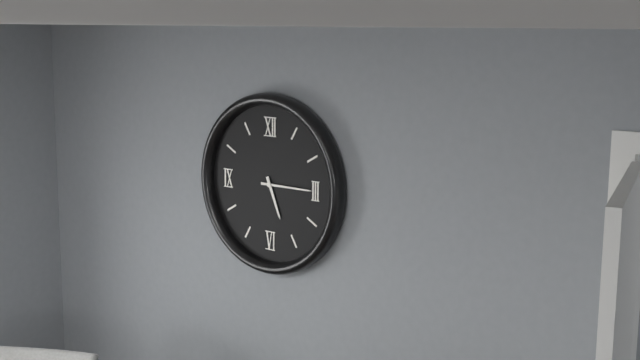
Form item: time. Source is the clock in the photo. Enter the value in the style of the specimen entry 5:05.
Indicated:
5:15
